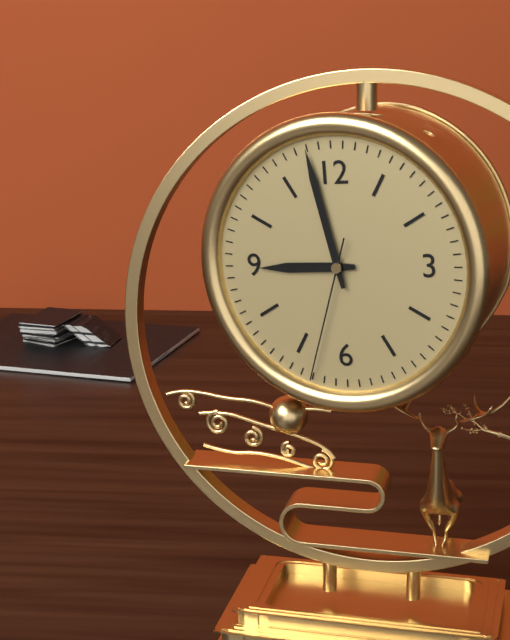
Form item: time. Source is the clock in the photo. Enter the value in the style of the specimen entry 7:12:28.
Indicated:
8:58:33
